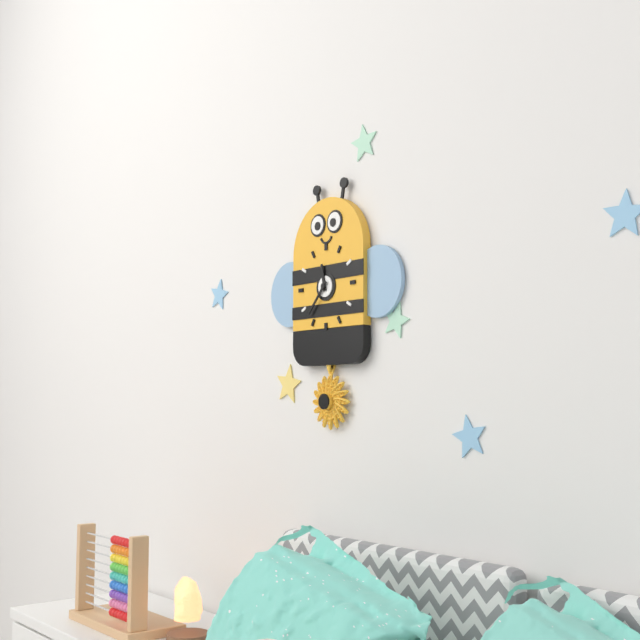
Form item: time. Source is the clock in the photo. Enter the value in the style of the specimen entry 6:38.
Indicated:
11:37
